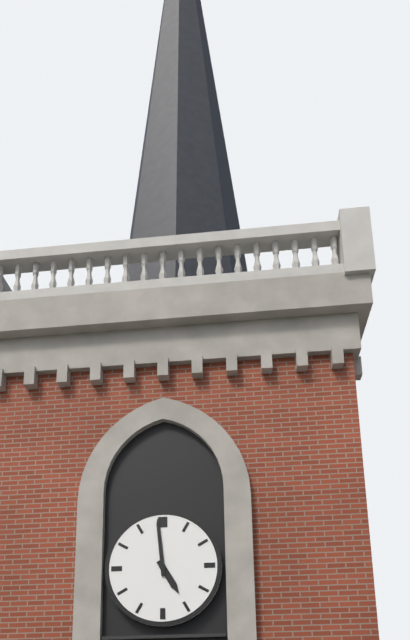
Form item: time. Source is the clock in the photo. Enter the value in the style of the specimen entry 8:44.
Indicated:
4:59
